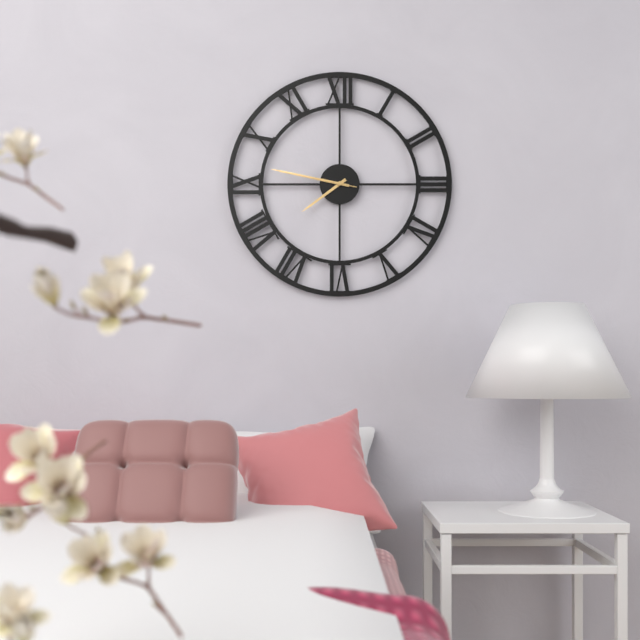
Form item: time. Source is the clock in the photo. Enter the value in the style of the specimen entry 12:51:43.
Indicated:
7:47:47
